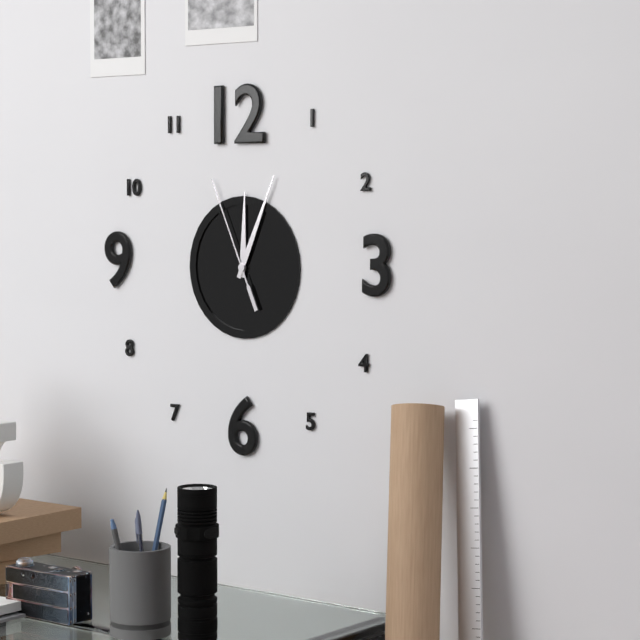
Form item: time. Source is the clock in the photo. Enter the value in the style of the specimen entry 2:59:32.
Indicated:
12:04:56
